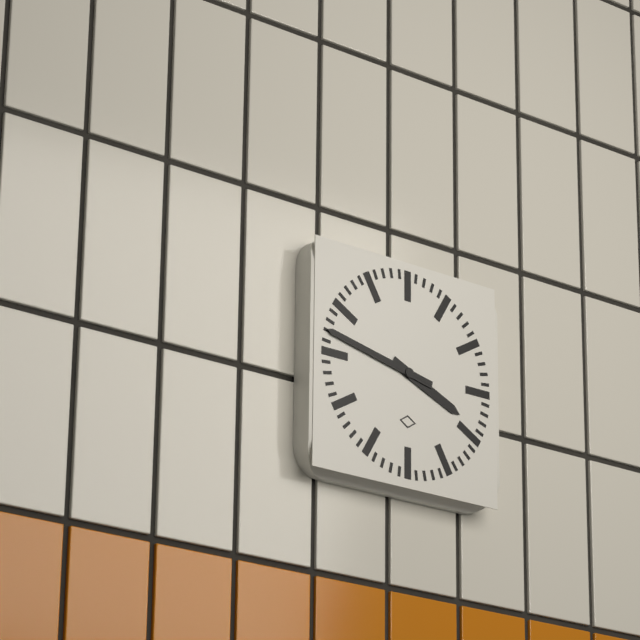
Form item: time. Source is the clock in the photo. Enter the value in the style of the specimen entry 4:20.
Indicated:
3:47
